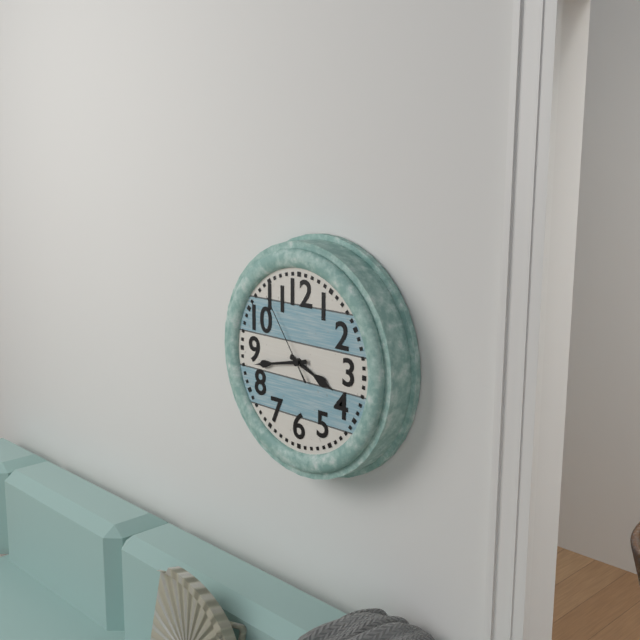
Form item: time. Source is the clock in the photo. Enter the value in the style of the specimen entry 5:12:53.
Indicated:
3:43:54
